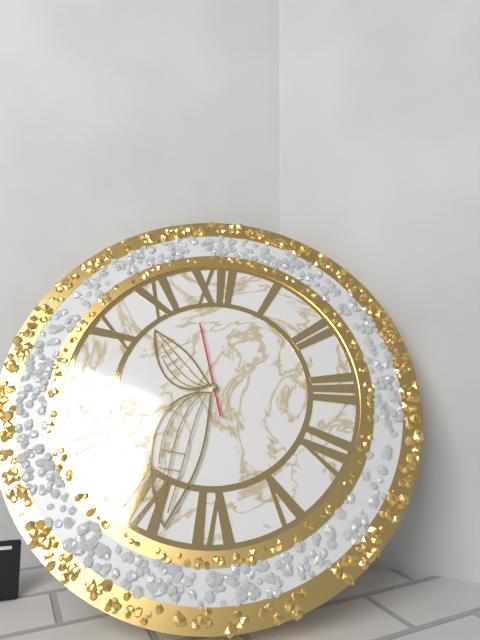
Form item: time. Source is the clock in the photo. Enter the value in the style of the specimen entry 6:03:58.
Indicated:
10:33:58
